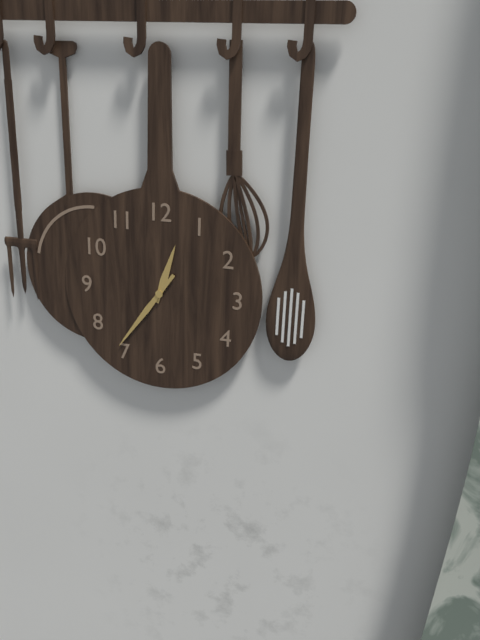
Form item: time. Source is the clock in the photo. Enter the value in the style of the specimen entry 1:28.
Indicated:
12:36
